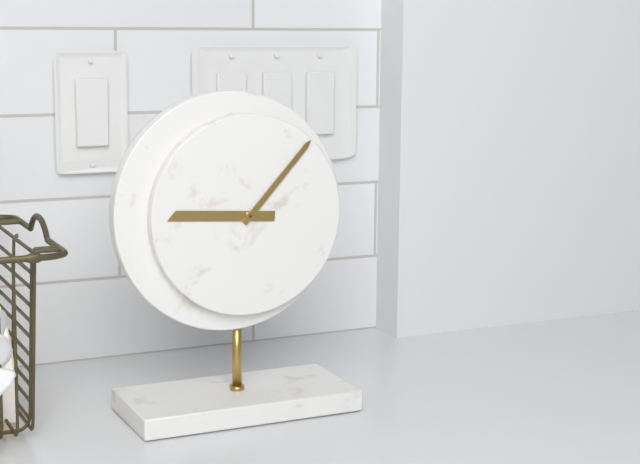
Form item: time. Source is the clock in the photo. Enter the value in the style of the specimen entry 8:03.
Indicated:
9:07
